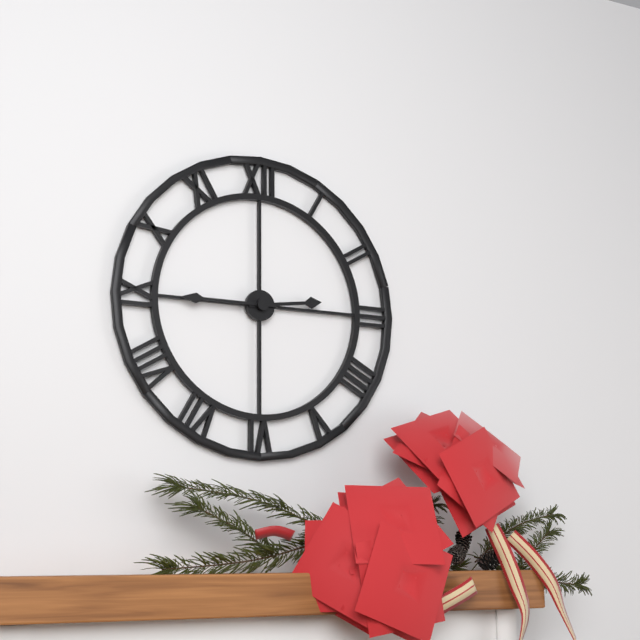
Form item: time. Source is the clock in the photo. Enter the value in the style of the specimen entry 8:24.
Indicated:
2:45
